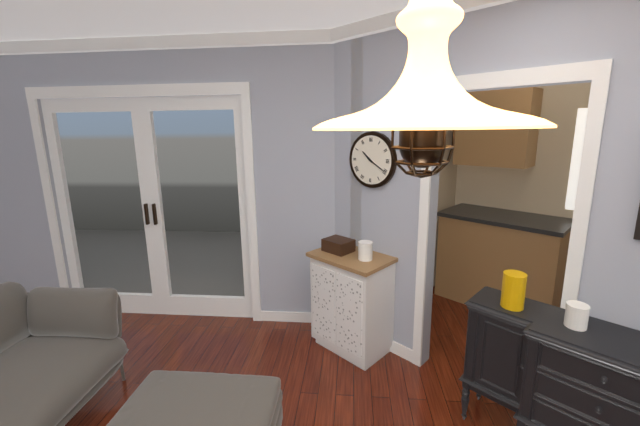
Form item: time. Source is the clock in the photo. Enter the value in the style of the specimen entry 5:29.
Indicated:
10:20
